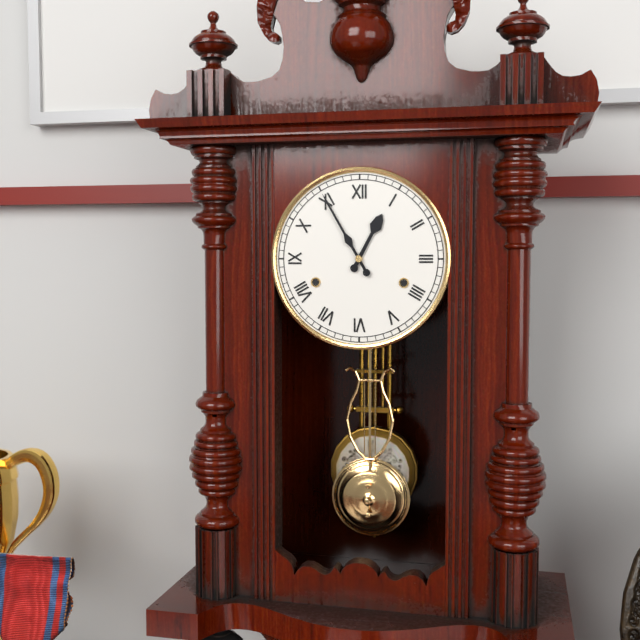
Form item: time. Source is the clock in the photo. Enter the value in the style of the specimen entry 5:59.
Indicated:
12:55
